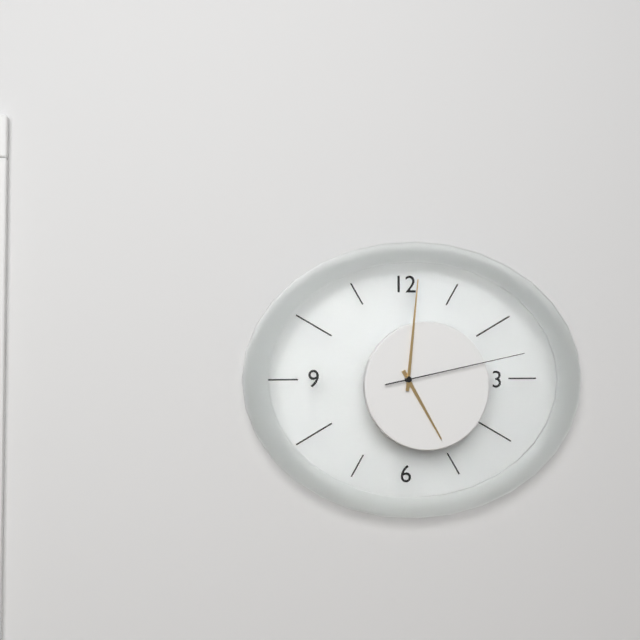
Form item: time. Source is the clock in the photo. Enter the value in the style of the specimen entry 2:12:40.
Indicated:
5:01:13
